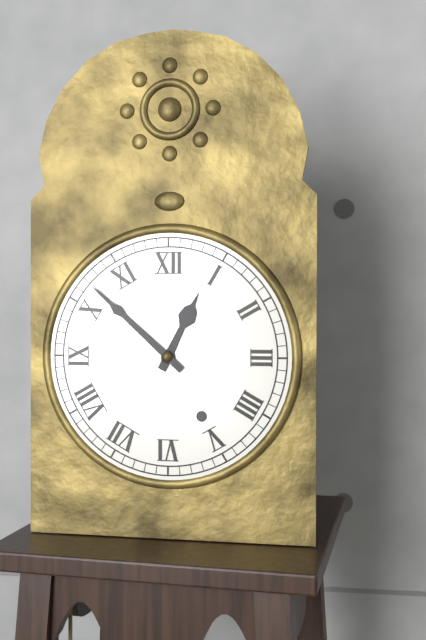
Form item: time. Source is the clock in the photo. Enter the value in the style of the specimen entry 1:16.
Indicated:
12:52
